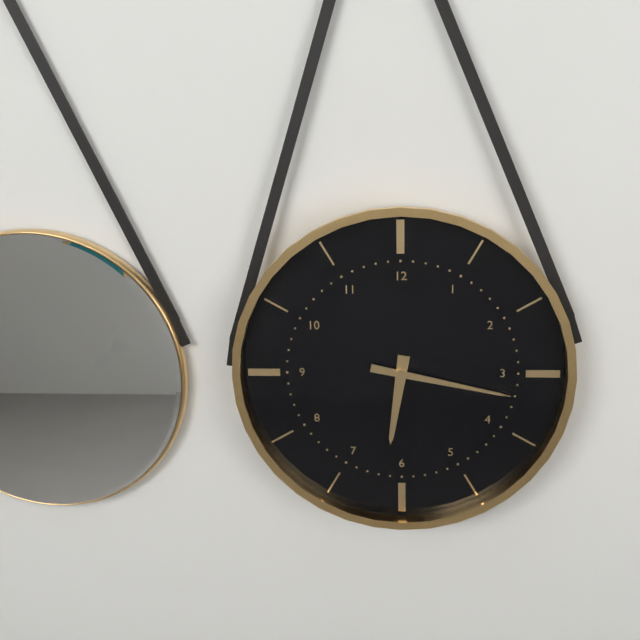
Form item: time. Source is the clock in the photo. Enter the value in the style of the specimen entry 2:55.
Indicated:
6:17
